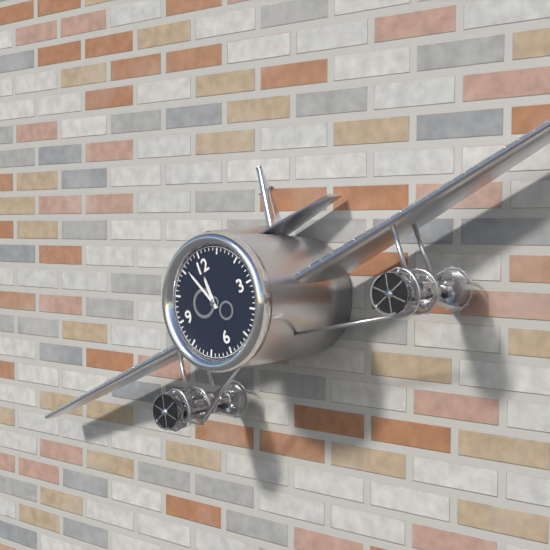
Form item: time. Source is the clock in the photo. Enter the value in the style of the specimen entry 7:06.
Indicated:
11:56
